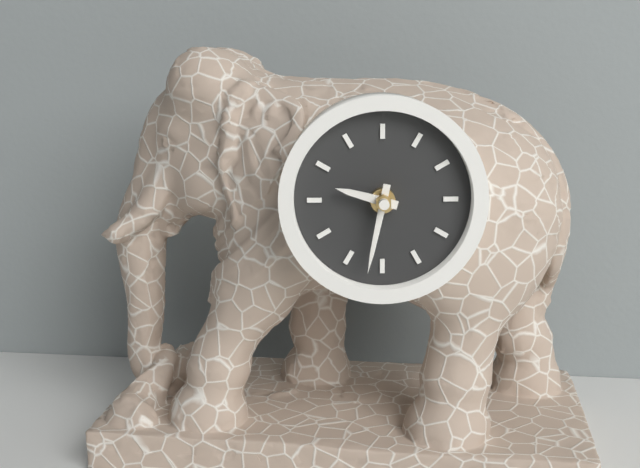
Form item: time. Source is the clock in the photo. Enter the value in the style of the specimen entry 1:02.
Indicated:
9:32
